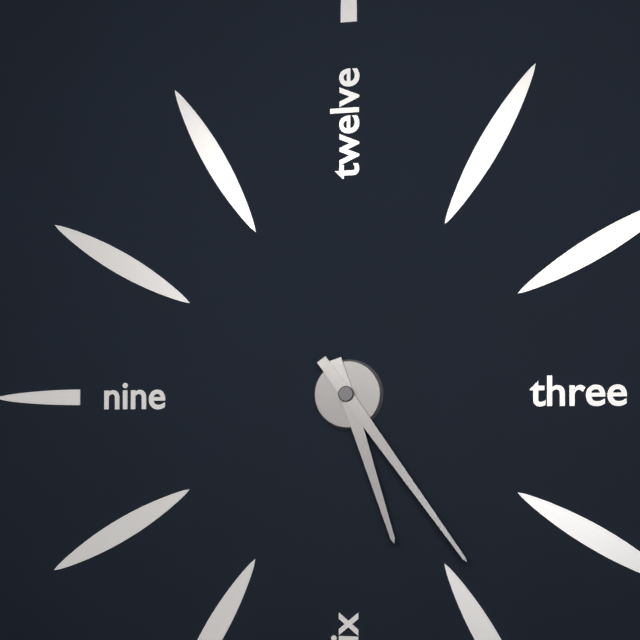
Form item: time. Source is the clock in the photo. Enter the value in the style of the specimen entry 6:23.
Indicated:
5:24
